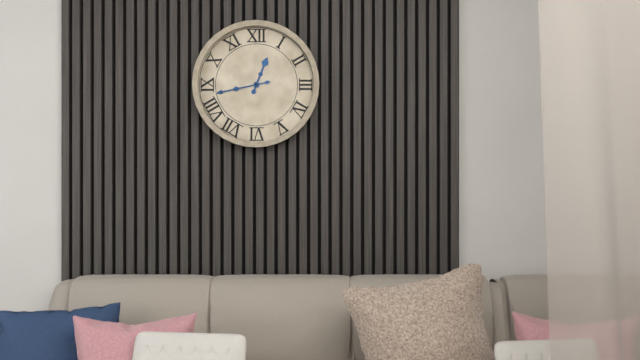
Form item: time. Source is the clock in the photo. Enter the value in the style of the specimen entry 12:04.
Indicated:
12:43
